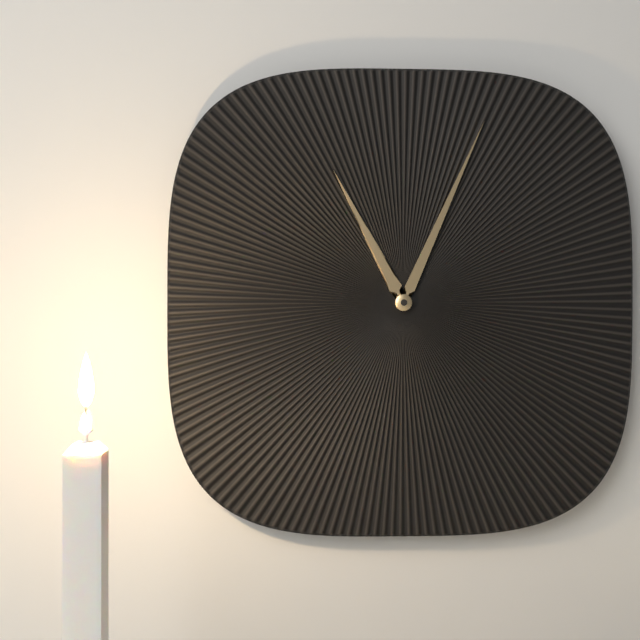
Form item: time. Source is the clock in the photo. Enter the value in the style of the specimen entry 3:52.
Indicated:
11:04
